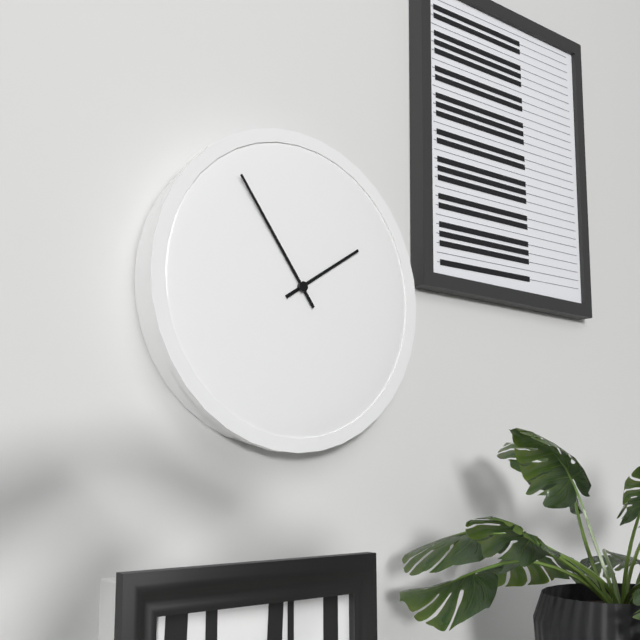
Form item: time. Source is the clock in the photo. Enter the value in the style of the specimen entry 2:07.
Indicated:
1:54
